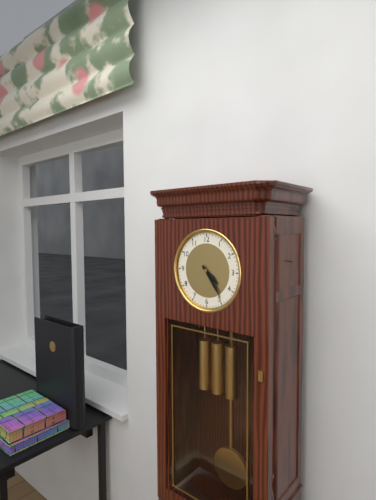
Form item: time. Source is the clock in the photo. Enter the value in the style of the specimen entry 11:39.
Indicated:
4:24
